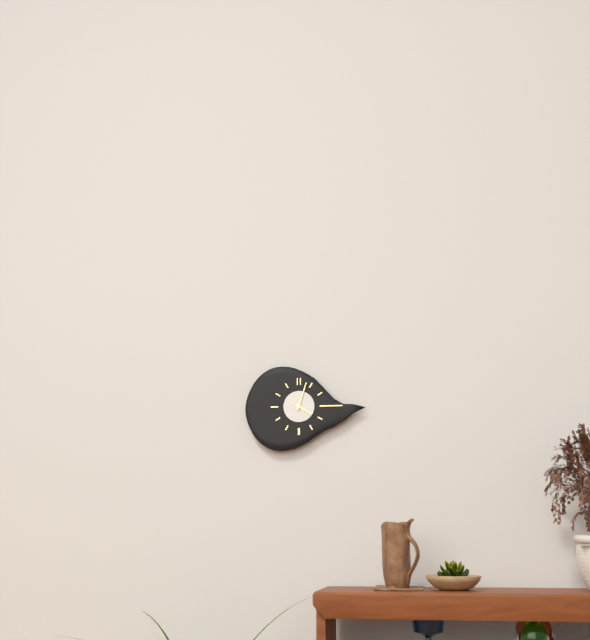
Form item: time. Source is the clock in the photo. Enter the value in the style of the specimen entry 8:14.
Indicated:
4:03
